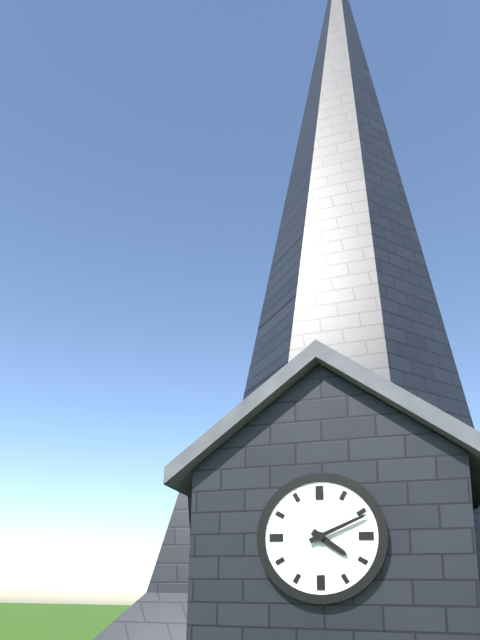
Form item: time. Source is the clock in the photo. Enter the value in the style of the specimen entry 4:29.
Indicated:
4:11
